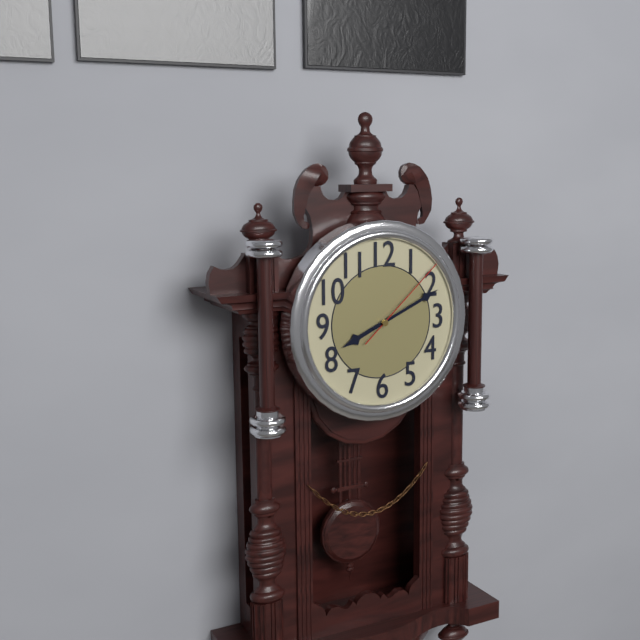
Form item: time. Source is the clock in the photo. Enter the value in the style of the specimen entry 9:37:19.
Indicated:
8:11:08
